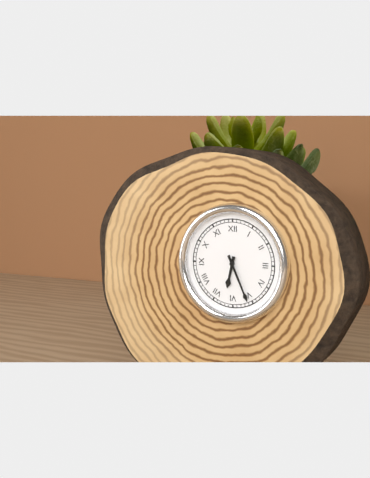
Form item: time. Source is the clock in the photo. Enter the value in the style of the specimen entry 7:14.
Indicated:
6:26
